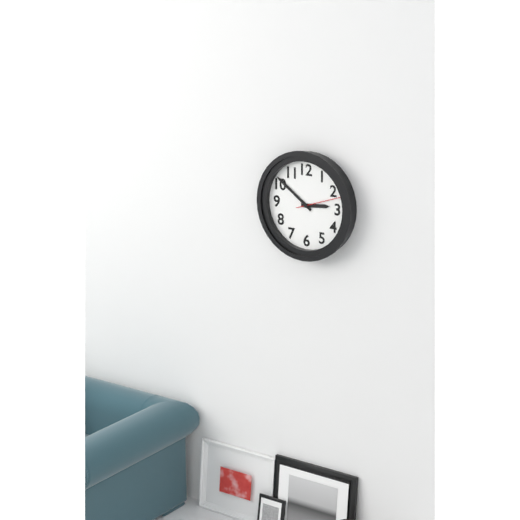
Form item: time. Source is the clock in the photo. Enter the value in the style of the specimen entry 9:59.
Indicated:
2:51
